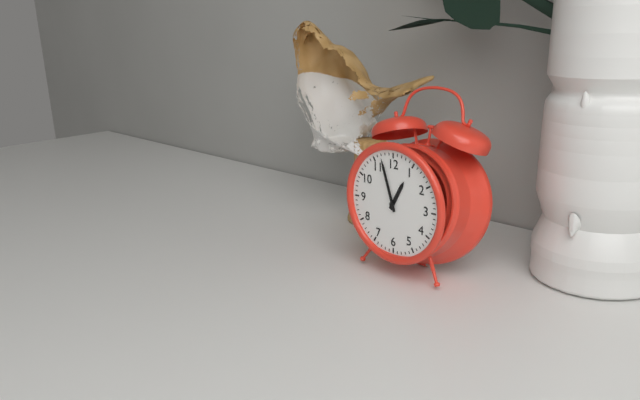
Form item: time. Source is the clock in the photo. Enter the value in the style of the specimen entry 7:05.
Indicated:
12:57
